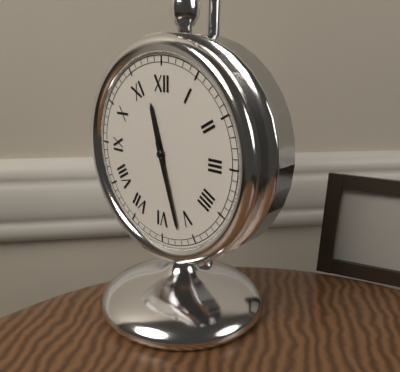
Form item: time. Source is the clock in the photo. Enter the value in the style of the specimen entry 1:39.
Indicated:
11:27
